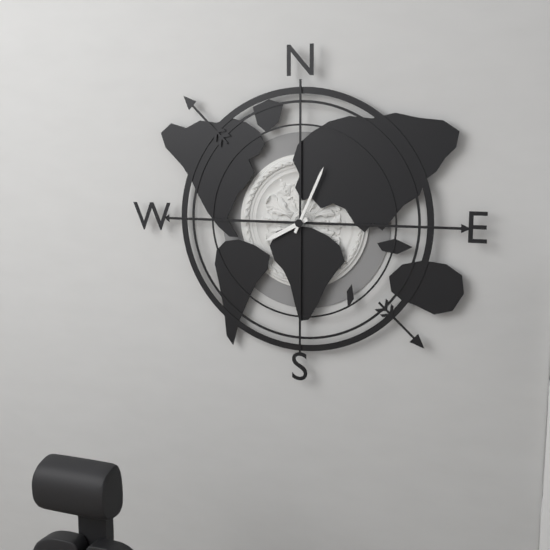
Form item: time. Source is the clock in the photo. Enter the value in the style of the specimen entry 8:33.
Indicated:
8:04
